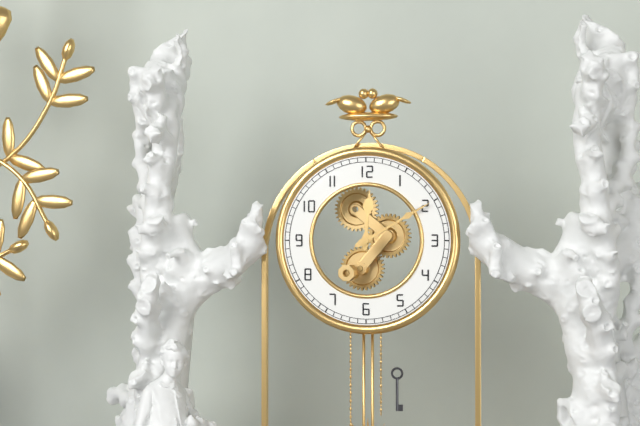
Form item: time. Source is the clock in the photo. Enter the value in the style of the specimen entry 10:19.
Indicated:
12:10
